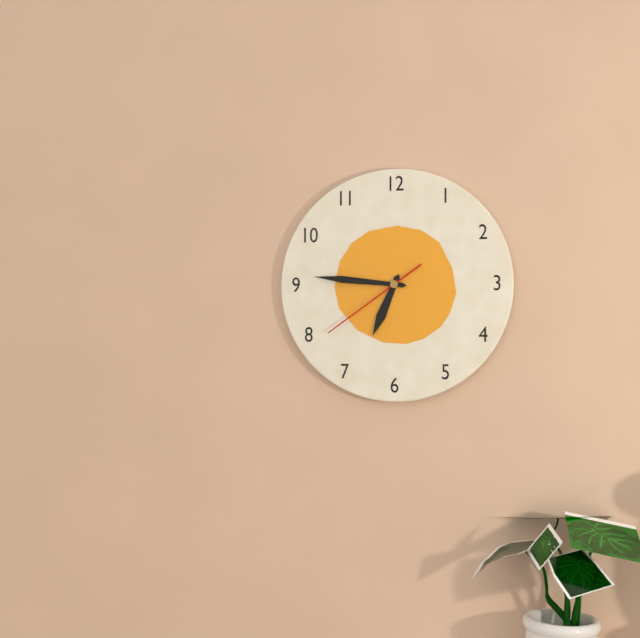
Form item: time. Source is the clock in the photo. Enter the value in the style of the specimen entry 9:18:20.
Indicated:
6:46:39
